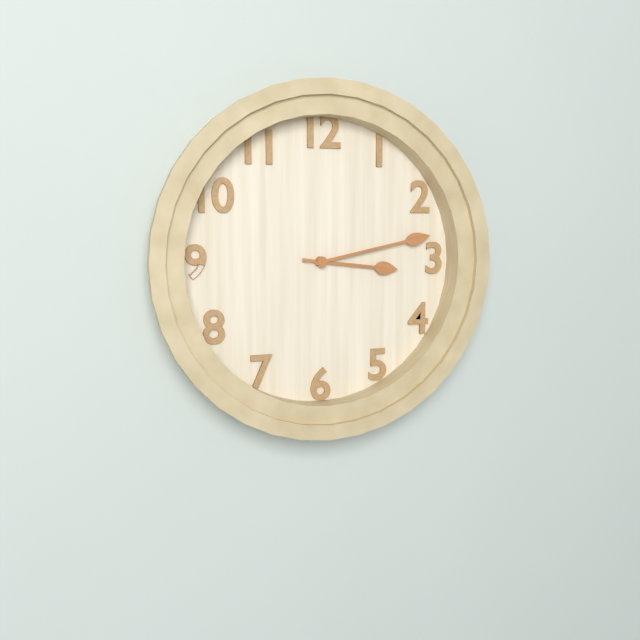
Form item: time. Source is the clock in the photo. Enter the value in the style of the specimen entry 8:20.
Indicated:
3:13
